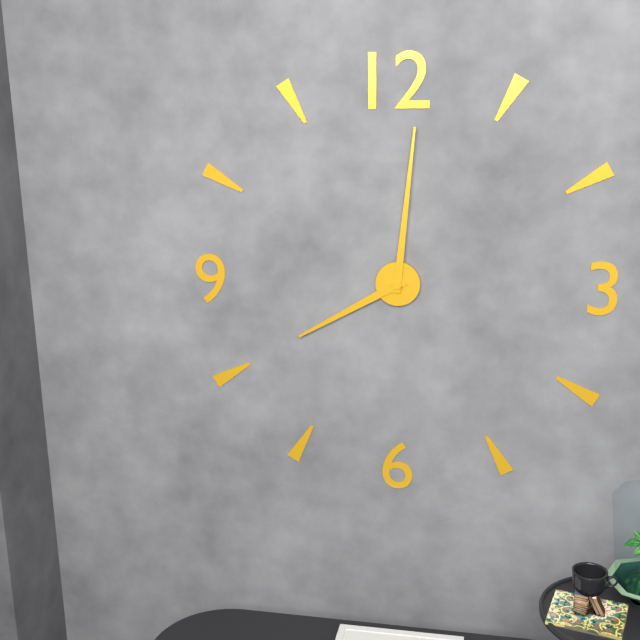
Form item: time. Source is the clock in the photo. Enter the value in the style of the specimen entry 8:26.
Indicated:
8:01
